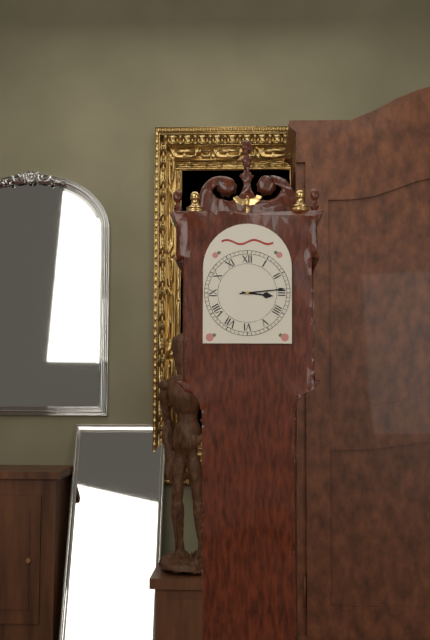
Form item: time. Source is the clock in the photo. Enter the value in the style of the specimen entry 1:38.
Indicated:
3:14
